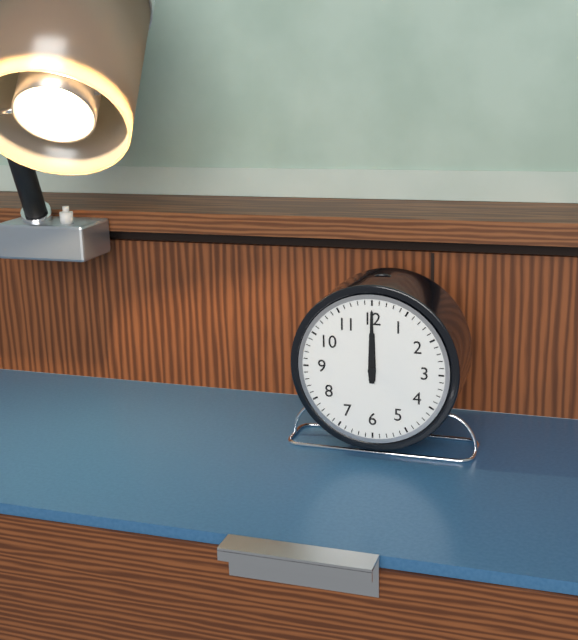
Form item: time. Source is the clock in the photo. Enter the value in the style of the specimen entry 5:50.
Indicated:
12:00
